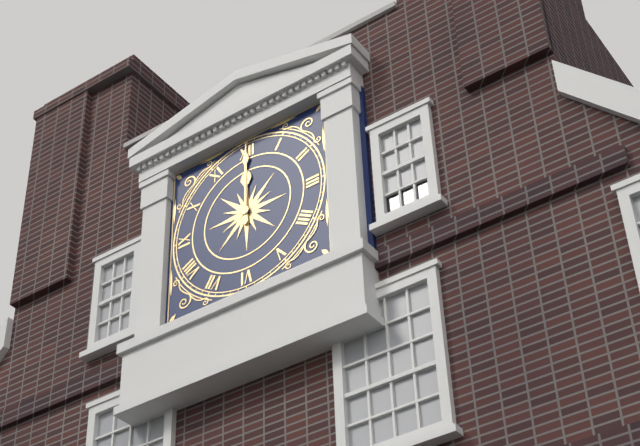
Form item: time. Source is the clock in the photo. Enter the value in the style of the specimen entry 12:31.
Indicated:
12:00
